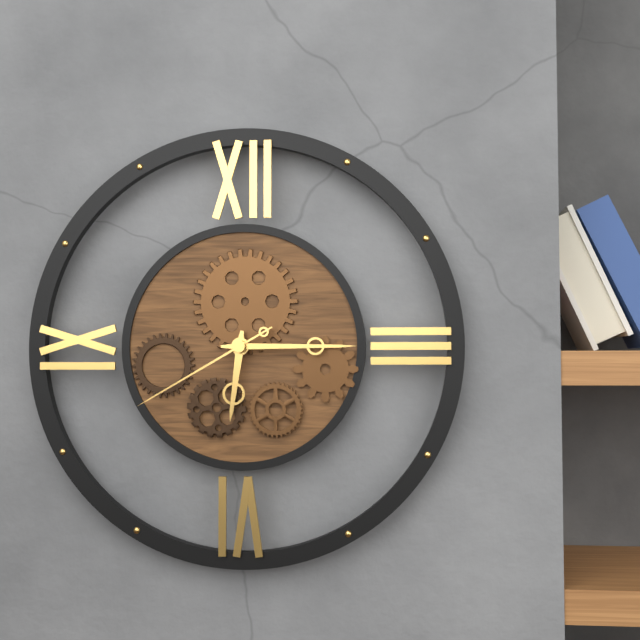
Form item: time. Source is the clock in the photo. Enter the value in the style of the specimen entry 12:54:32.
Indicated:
6:15:40
